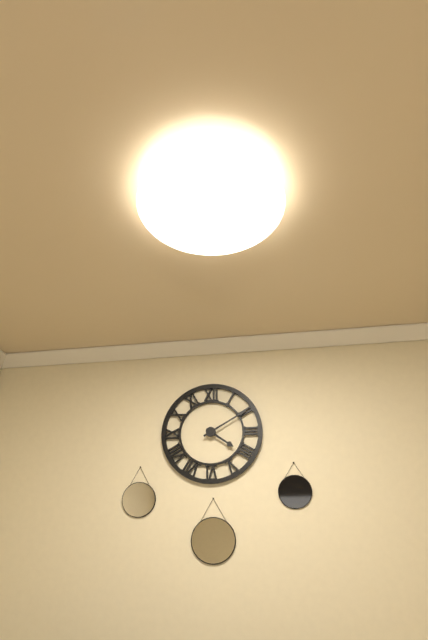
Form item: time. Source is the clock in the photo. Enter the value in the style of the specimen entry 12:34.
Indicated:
4:10
